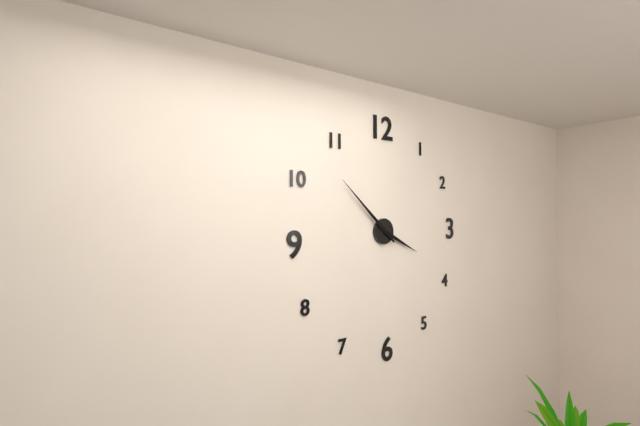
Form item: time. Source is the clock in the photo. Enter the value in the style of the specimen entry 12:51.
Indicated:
3:52
